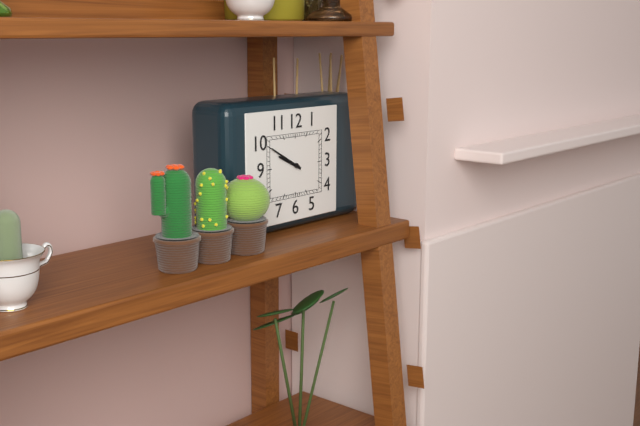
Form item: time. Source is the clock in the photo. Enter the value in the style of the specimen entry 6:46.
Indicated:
9:50
